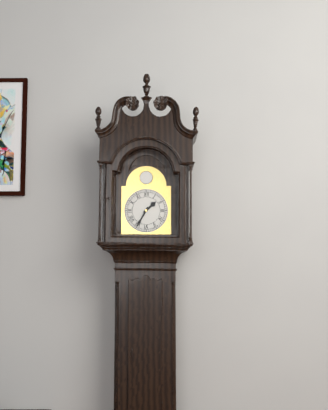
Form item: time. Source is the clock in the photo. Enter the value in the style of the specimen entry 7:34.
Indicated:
1:35
